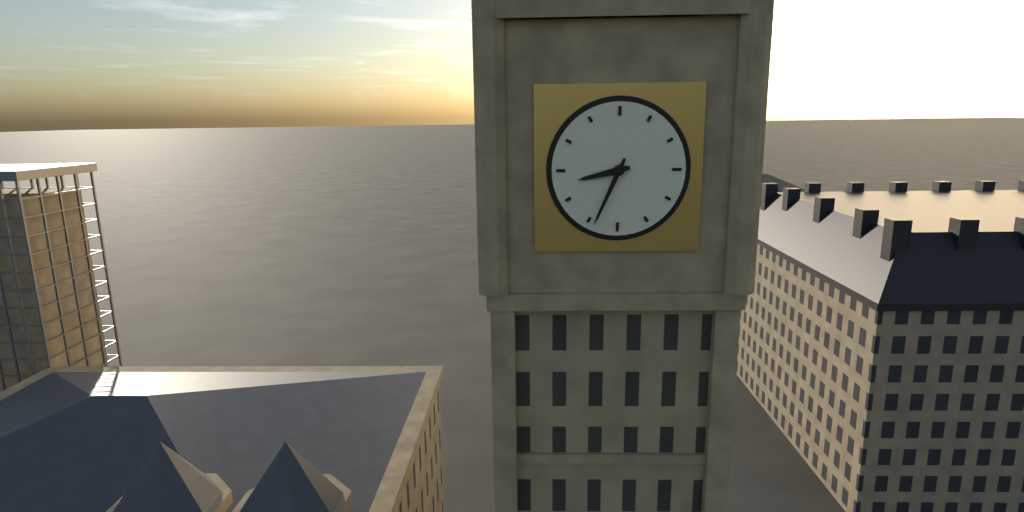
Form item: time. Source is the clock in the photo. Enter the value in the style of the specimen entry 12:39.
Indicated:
8:34
